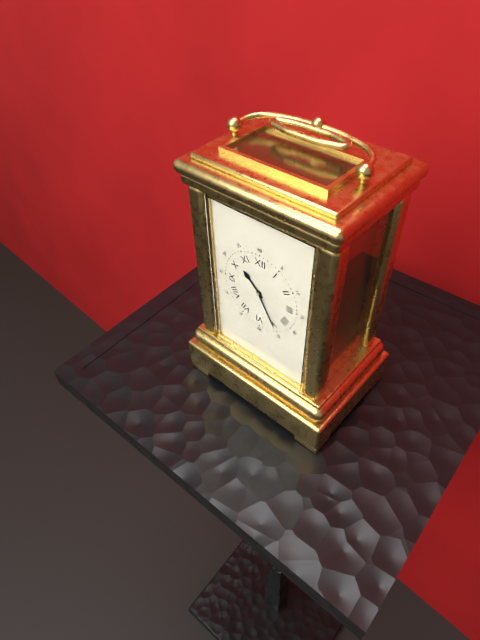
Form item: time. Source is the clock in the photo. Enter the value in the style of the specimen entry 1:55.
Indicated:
10:25
